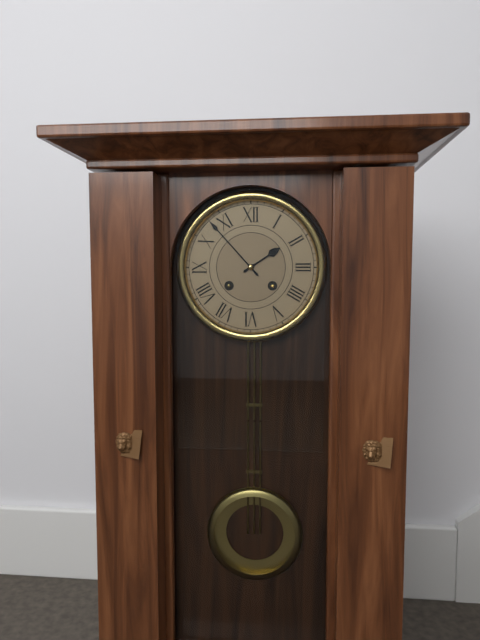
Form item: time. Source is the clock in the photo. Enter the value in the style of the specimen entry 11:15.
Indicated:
1:53
